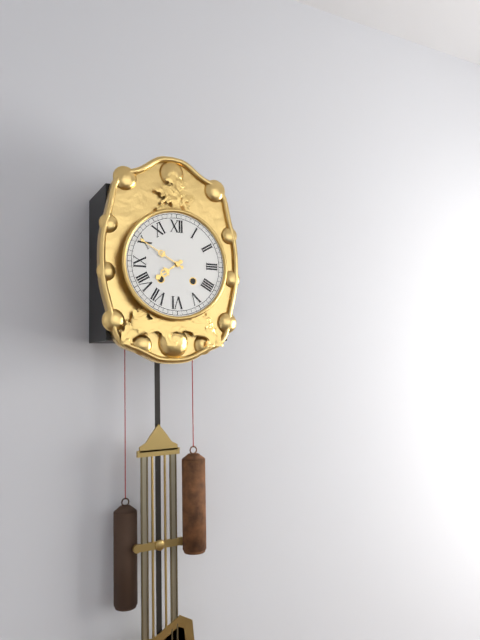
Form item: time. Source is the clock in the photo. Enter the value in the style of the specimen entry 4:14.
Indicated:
7:50
